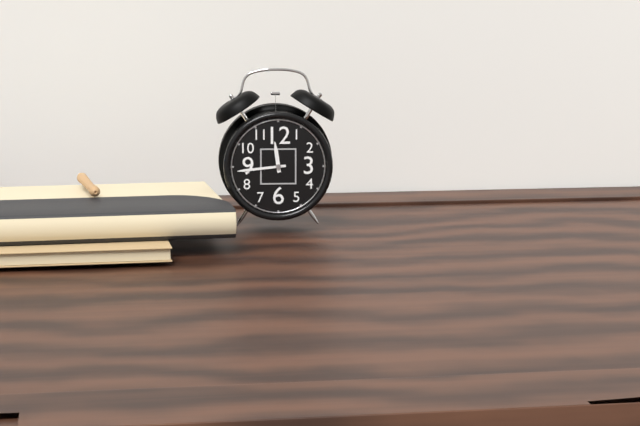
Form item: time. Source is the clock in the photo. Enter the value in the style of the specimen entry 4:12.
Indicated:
11:44
